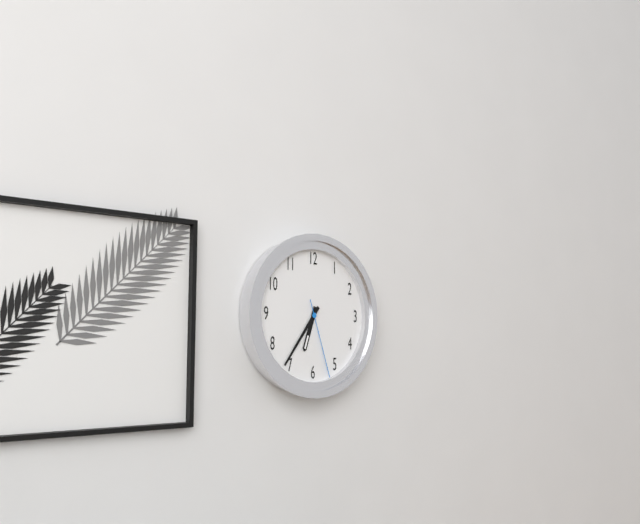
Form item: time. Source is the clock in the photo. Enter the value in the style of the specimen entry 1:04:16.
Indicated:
6:36:27
